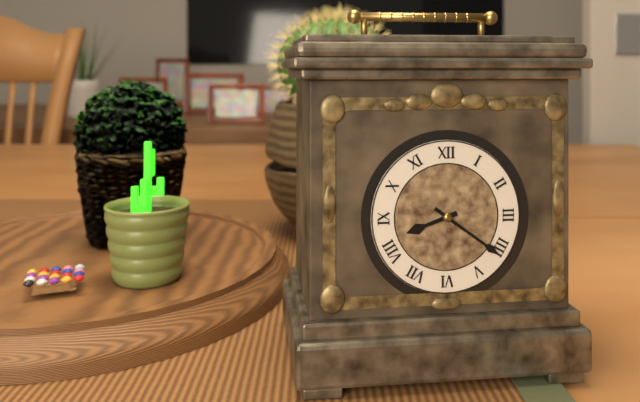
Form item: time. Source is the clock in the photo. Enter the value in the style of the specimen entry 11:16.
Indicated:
8:21
